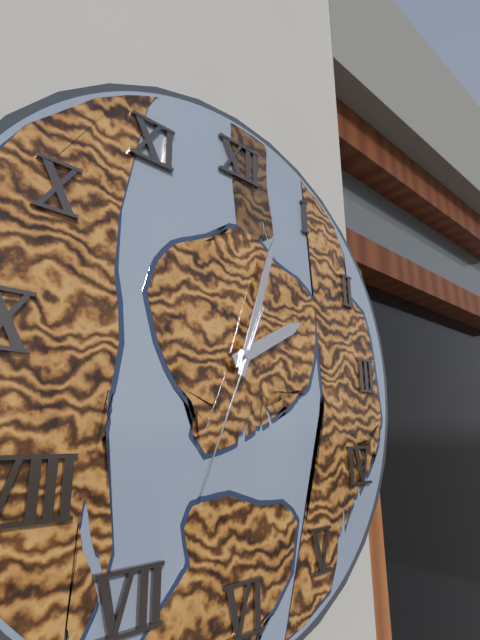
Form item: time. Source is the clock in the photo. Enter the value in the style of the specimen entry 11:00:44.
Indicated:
2:03:34
